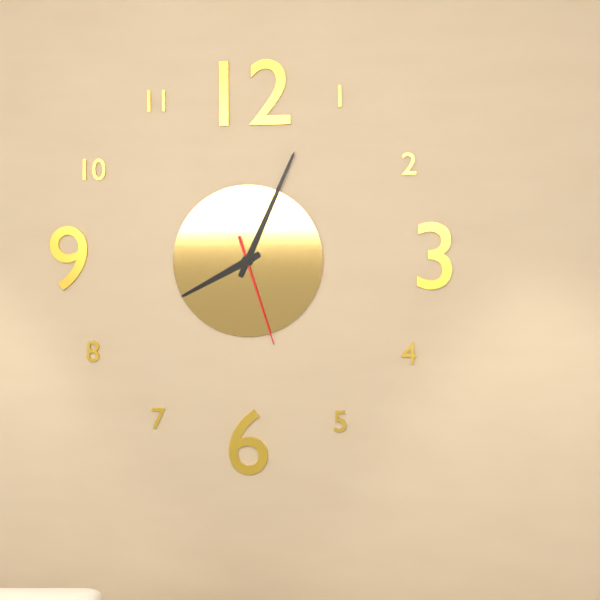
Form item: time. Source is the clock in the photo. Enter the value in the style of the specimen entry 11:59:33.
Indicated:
8:04:27
